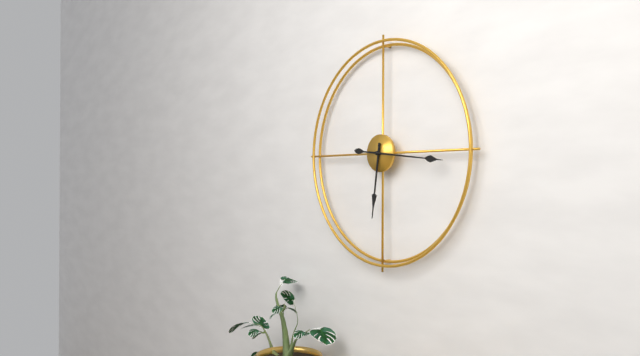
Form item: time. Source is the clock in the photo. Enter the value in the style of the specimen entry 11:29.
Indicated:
6:16
